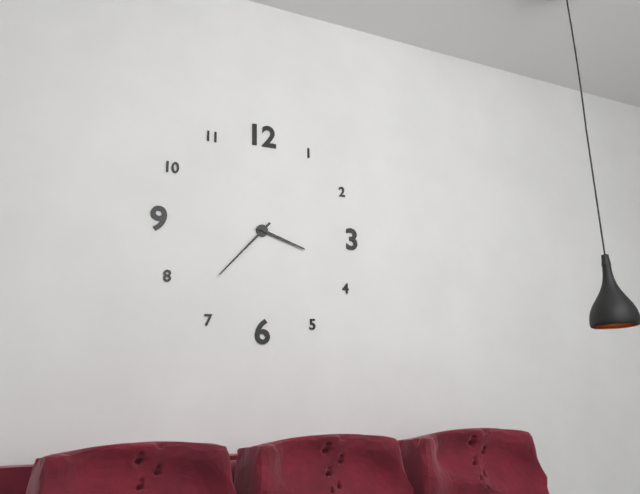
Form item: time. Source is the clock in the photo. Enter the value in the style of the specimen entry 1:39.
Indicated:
3:37
